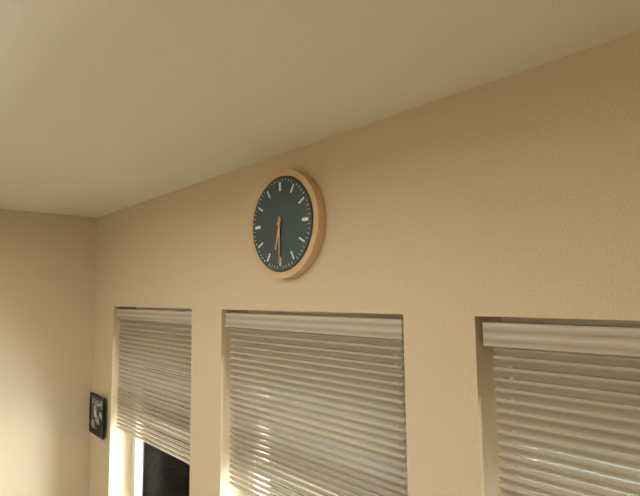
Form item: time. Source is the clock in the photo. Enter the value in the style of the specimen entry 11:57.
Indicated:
6:30
